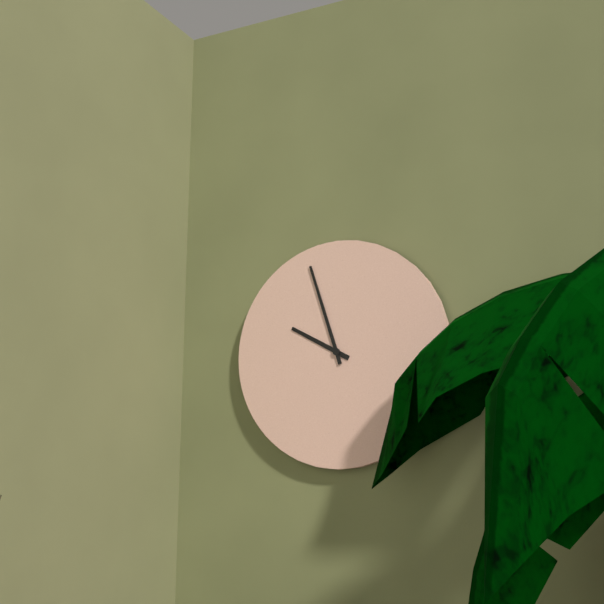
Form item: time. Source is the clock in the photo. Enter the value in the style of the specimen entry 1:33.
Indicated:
9:57
